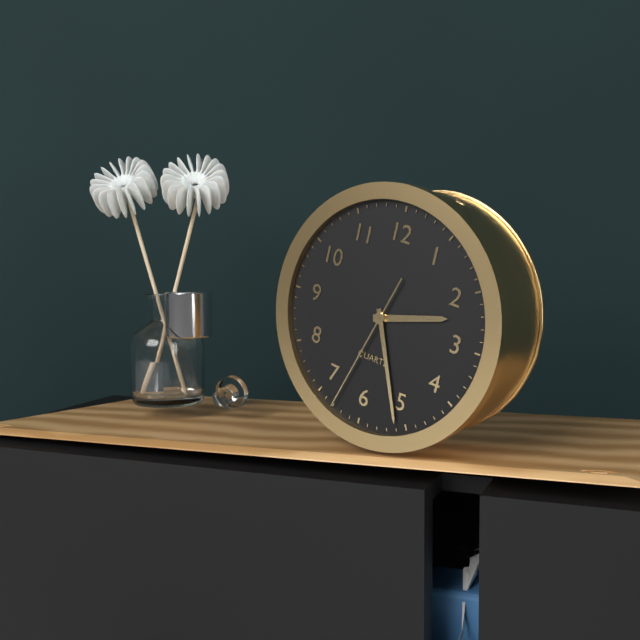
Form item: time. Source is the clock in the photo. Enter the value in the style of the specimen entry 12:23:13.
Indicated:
2:26:33
